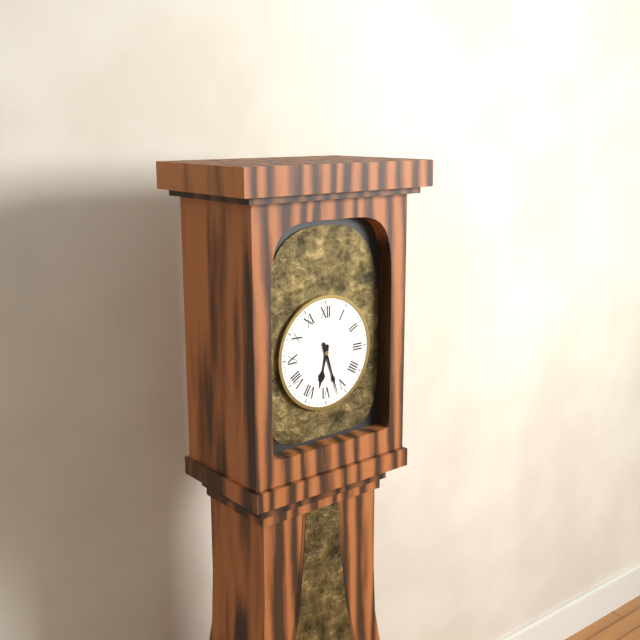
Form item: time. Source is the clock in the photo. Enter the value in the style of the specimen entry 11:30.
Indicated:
6:27
